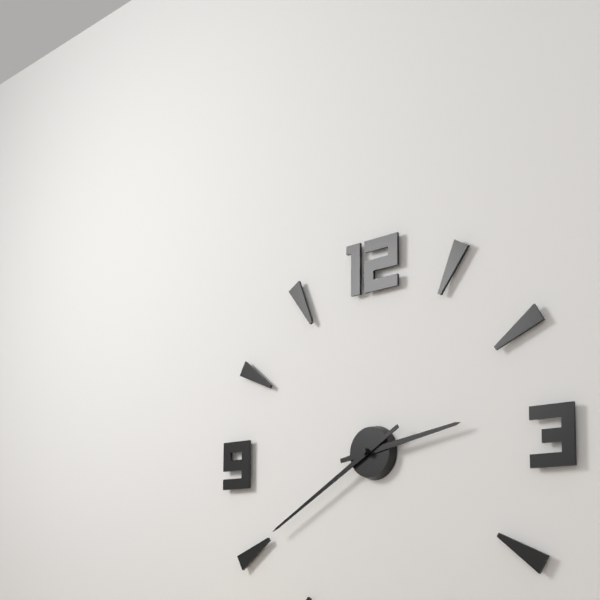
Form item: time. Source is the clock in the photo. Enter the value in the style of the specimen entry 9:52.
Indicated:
2:40
